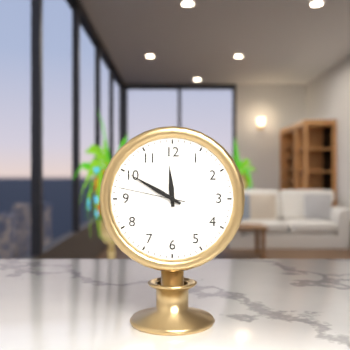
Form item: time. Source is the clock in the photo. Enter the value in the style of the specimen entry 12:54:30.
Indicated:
11:50:47
